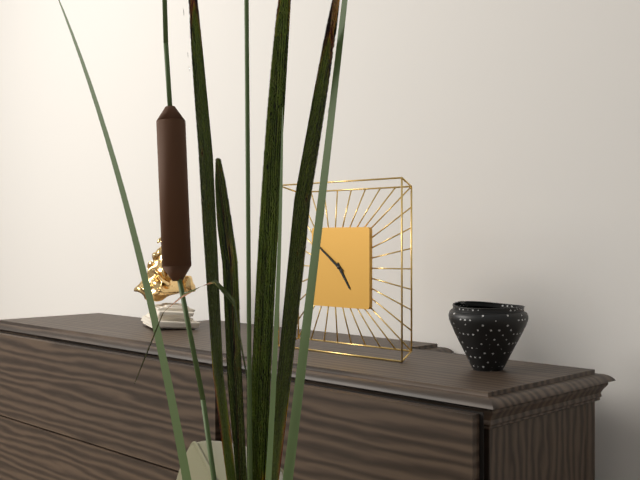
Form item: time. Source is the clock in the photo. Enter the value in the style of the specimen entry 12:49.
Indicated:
4:51
